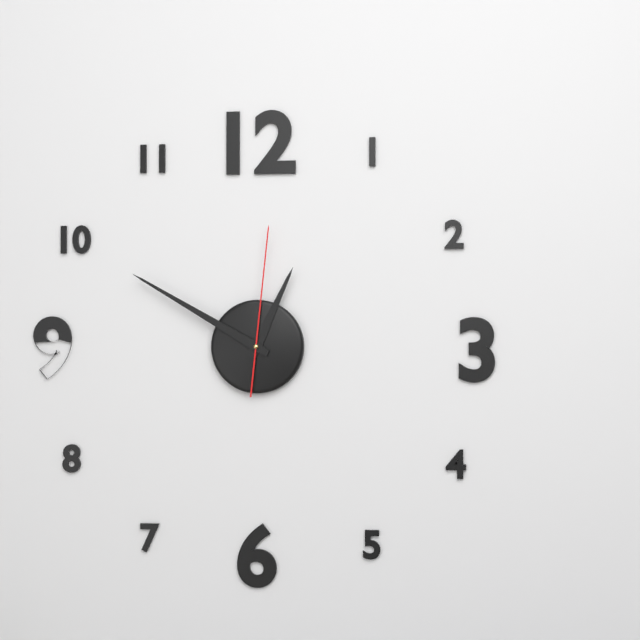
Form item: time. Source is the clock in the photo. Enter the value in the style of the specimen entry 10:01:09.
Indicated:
12:50:01
